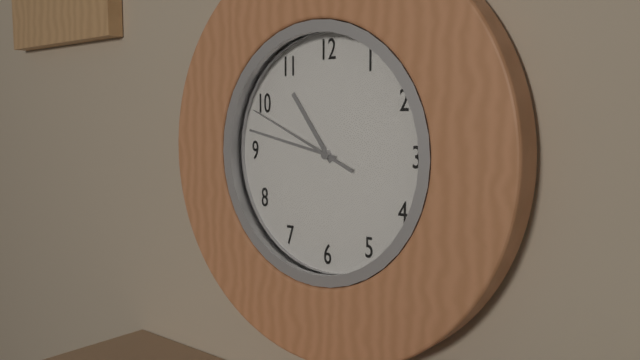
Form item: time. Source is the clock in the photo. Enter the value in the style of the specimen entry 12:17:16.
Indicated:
10:47:49
